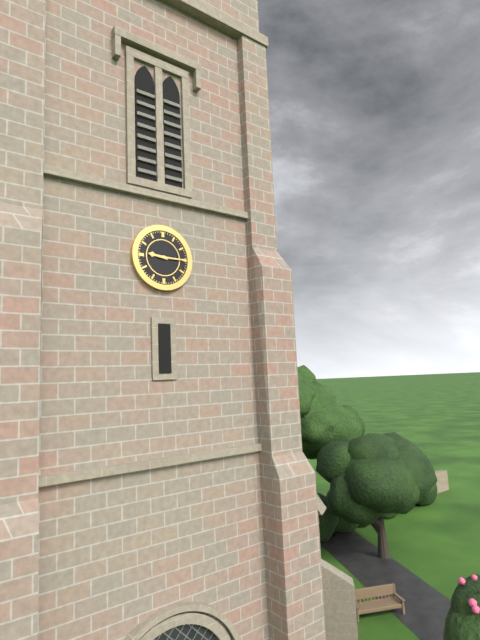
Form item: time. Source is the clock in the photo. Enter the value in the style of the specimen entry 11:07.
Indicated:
9:15
